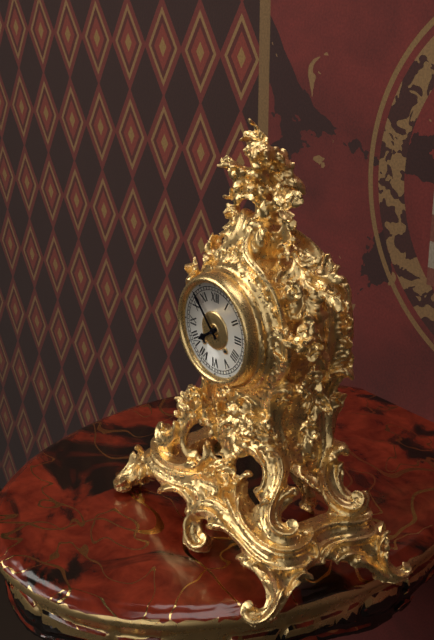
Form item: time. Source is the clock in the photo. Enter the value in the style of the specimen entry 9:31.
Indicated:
7:53
